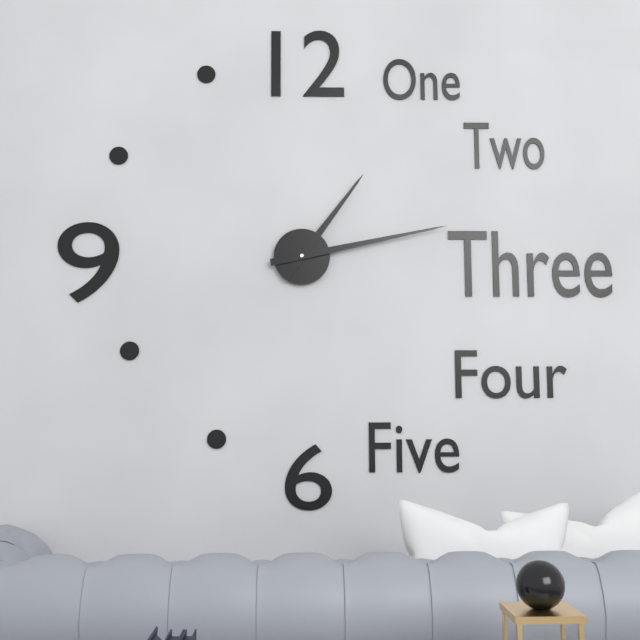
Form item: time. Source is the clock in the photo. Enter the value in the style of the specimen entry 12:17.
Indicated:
1:13
